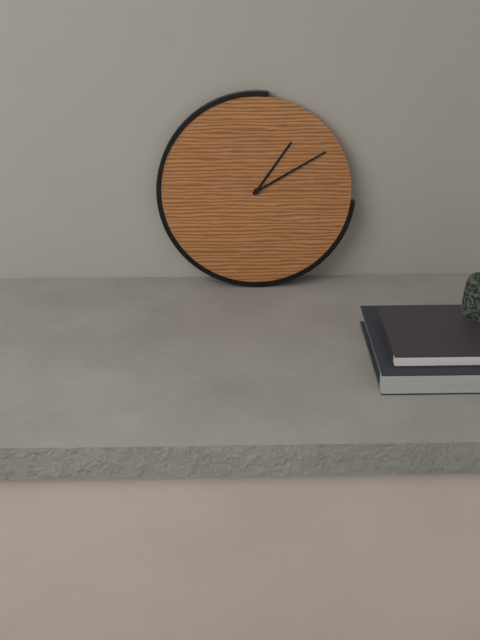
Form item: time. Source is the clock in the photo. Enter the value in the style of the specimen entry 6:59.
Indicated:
1:10
